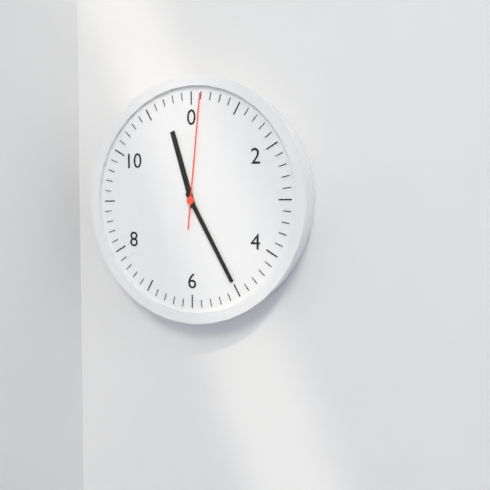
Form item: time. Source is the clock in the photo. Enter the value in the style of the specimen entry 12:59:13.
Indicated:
11:25:01
